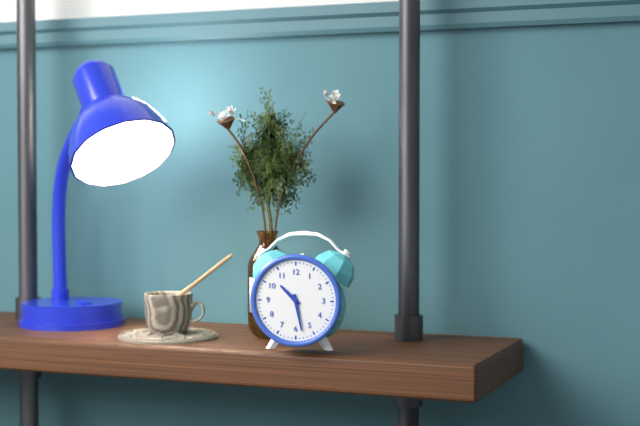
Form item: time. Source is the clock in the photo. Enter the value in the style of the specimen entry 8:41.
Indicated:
10:28
